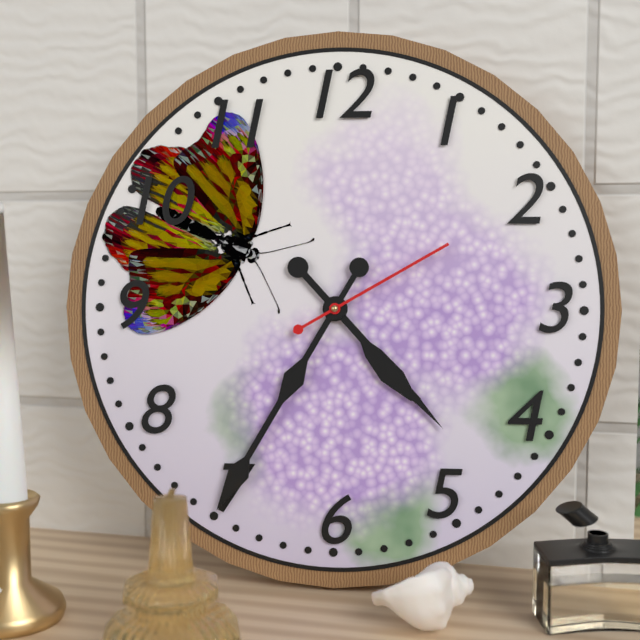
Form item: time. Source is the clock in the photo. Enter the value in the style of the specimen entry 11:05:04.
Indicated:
4:35:10
